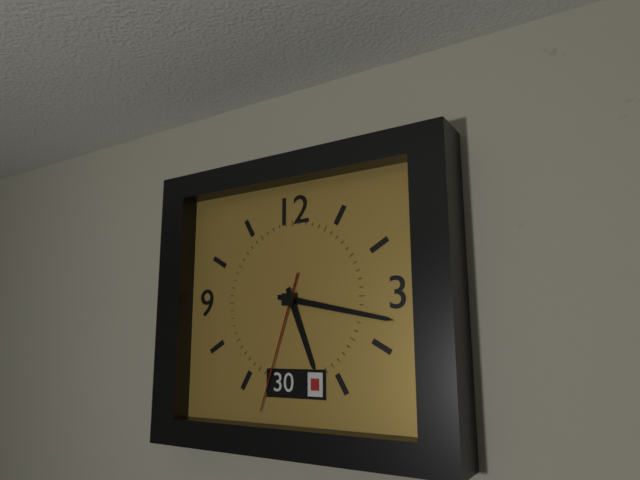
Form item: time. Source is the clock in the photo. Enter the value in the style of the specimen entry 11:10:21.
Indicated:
5:17:33
